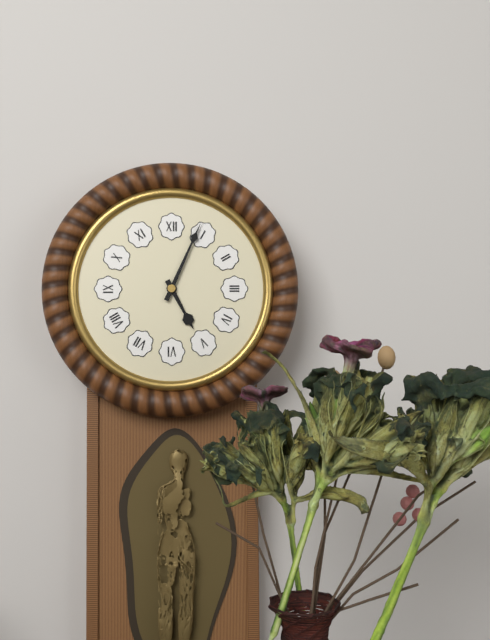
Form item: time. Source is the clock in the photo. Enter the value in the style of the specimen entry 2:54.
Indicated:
5:04
